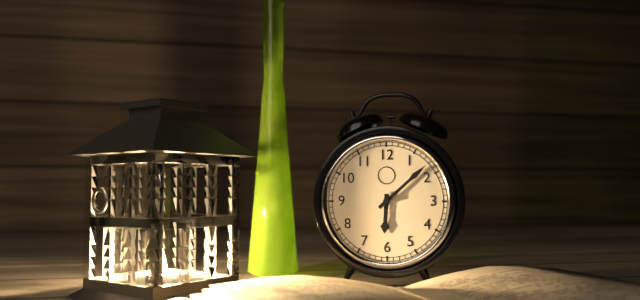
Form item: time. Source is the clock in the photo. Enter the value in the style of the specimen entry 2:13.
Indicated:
6:08
